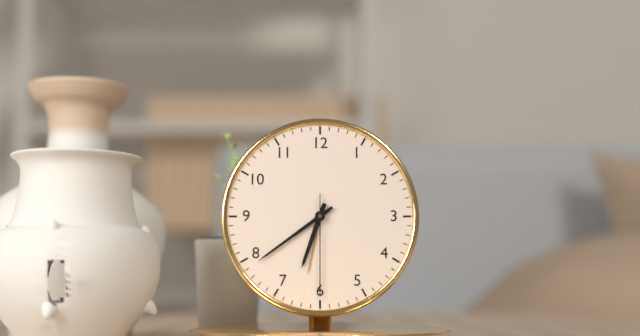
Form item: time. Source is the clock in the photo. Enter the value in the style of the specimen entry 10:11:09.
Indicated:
6:39:30
